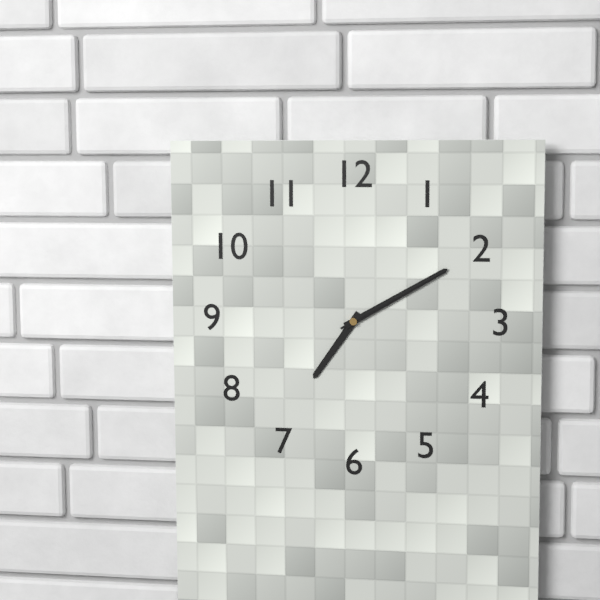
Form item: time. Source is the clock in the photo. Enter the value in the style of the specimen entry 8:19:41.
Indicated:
7:10:10
